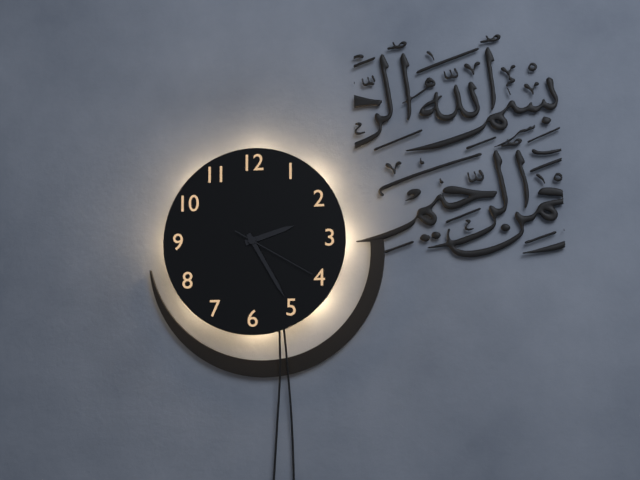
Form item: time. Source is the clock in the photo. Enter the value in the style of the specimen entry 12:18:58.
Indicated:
2:25:20
